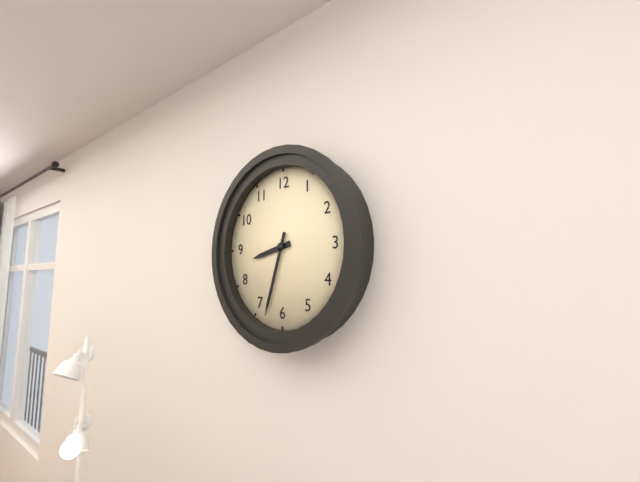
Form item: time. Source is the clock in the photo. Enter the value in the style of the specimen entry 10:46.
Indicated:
8:33
